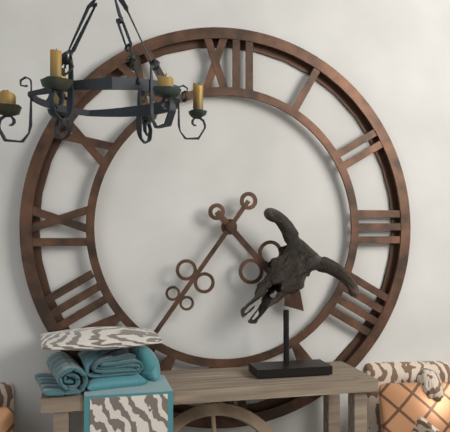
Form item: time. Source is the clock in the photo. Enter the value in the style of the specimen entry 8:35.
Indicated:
4:36
